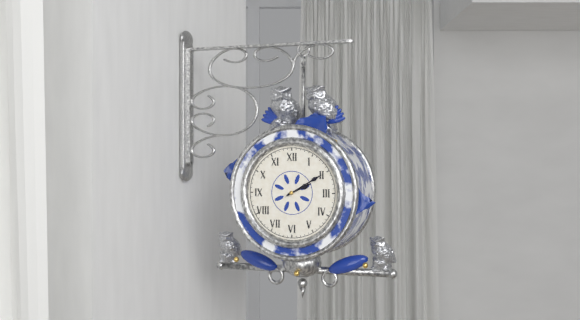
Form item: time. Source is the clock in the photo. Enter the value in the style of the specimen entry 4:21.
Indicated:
2:10
